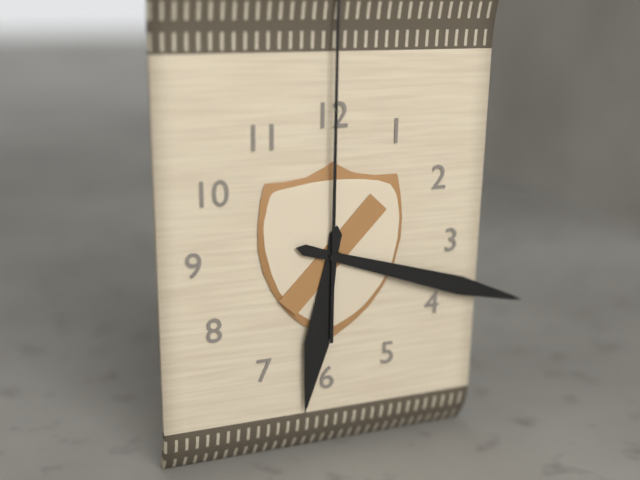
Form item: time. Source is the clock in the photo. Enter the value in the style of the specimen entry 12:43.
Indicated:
6:18
